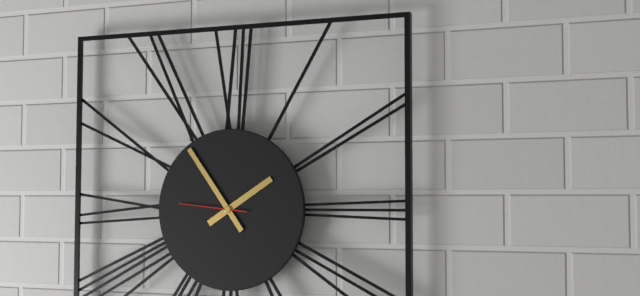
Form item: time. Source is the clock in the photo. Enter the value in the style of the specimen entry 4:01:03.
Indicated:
1:54:46
